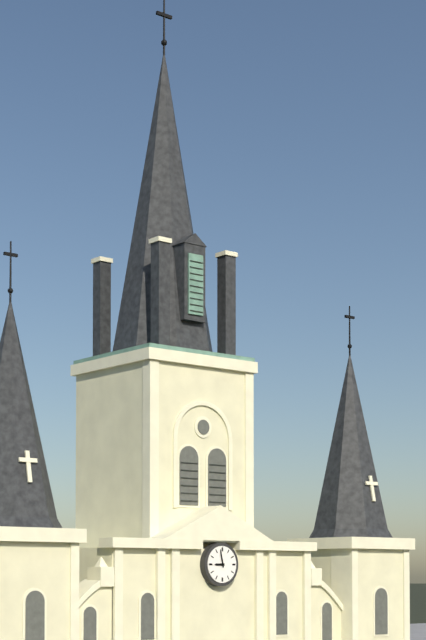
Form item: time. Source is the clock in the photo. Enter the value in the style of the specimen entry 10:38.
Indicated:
8:58
